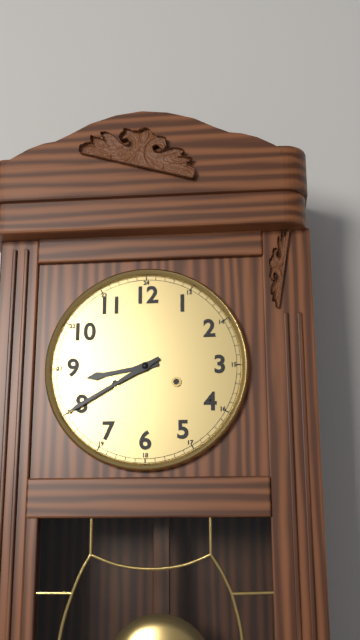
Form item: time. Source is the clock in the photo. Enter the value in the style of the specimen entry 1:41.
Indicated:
8:40
